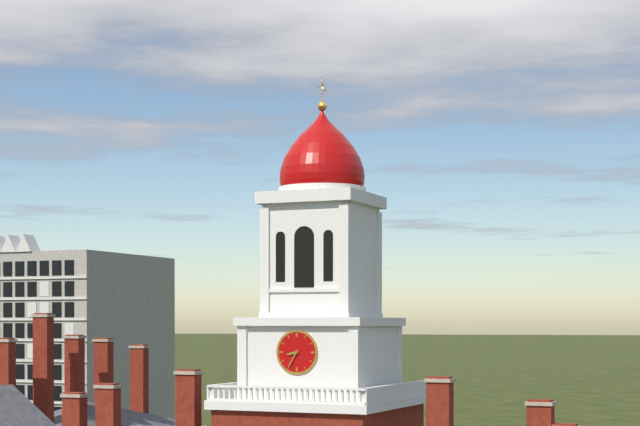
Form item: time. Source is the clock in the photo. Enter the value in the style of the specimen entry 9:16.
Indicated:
8:35
